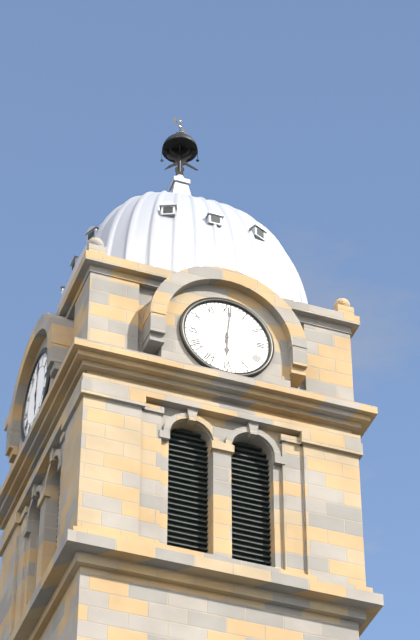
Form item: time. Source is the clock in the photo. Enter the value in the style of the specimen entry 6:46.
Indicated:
6:01
